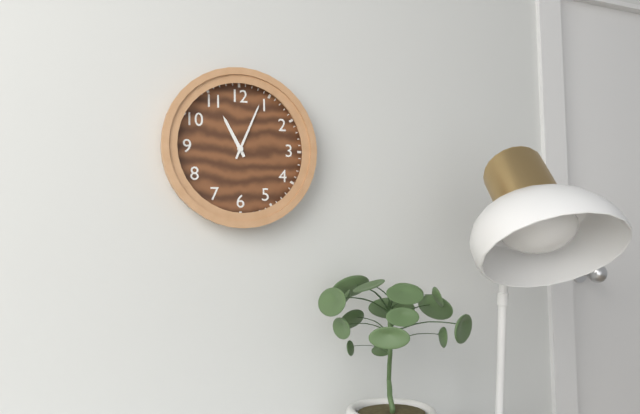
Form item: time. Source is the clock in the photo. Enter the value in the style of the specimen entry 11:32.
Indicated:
11:04
